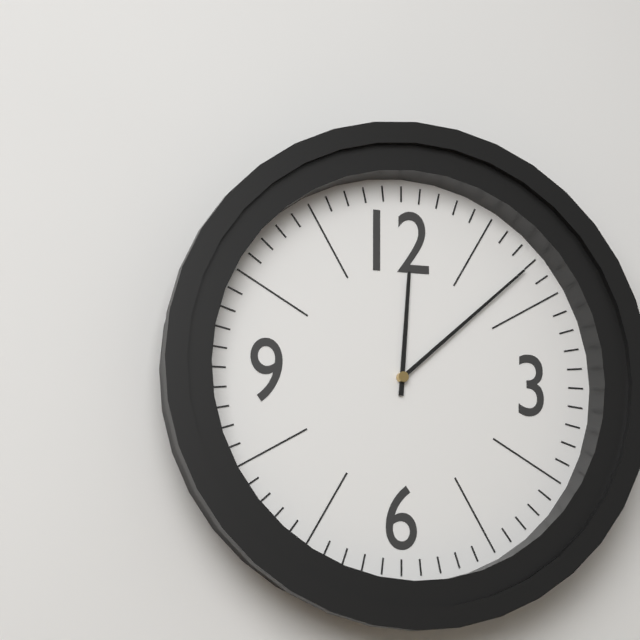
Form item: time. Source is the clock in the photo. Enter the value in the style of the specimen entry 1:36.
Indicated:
12:08
